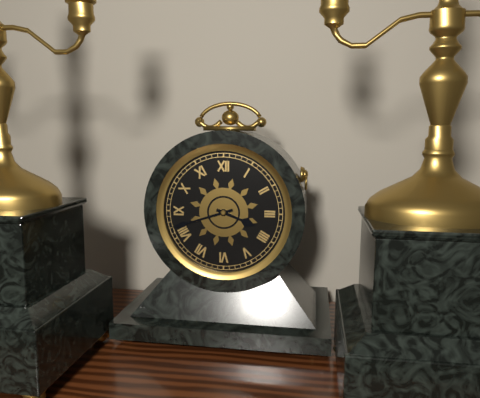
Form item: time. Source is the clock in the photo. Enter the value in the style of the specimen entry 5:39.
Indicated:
3:42
